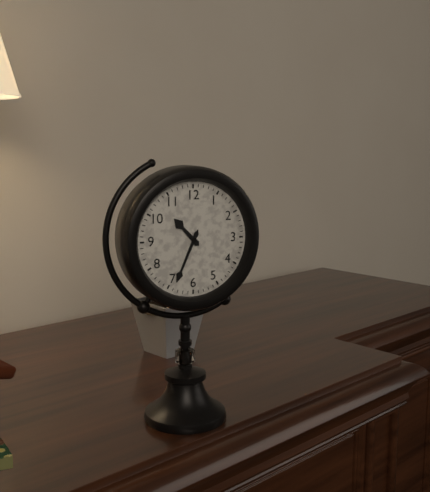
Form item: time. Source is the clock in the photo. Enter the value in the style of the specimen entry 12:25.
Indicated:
10:34
